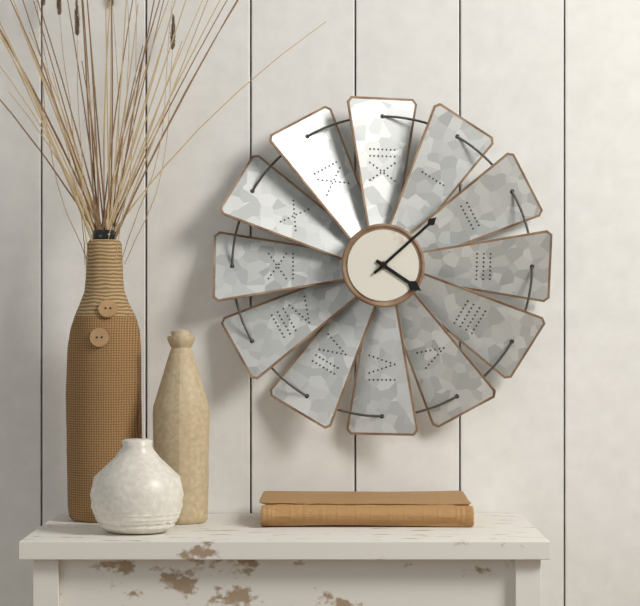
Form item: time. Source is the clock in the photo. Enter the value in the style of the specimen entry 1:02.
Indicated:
4:08
